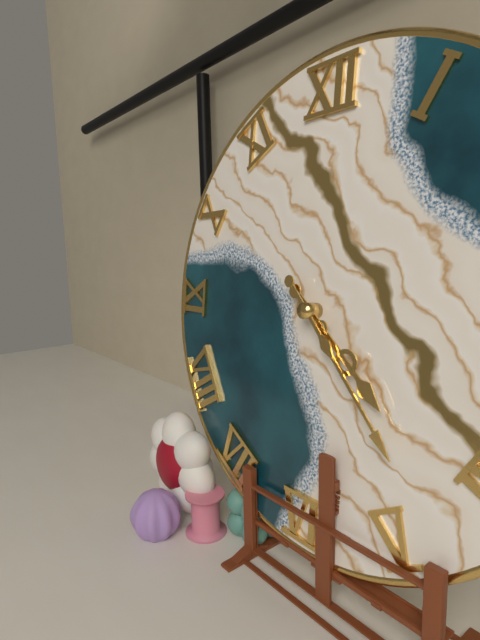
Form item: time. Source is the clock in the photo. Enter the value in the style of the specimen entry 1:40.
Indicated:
4:23
